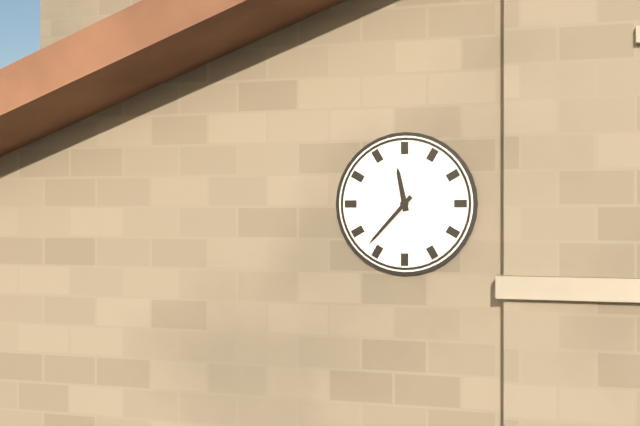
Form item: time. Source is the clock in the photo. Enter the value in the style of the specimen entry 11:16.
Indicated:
11:37
